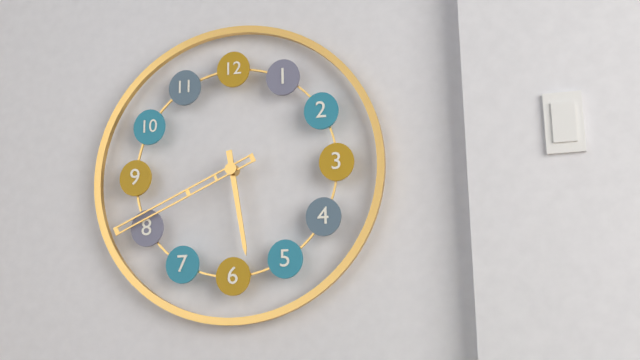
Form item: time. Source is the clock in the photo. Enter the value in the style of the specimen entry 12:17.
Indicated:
5:41
